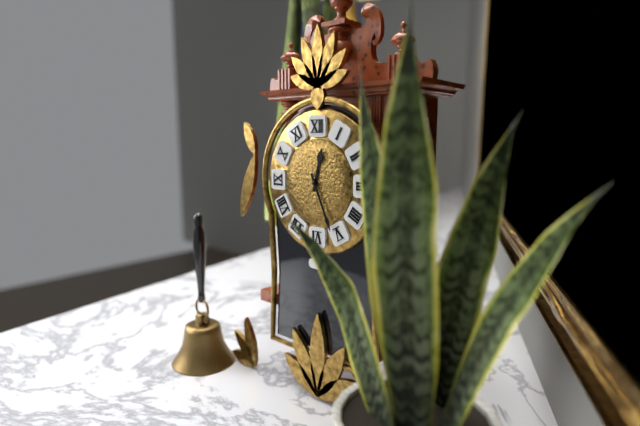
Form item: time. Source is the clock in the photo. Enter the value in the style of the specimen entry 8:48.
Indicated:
12:26
